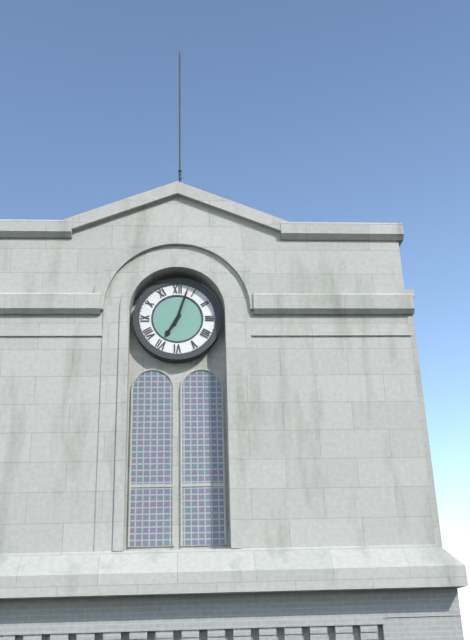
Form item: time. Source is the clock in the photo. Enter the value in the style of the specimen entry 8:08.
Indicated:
7:03
